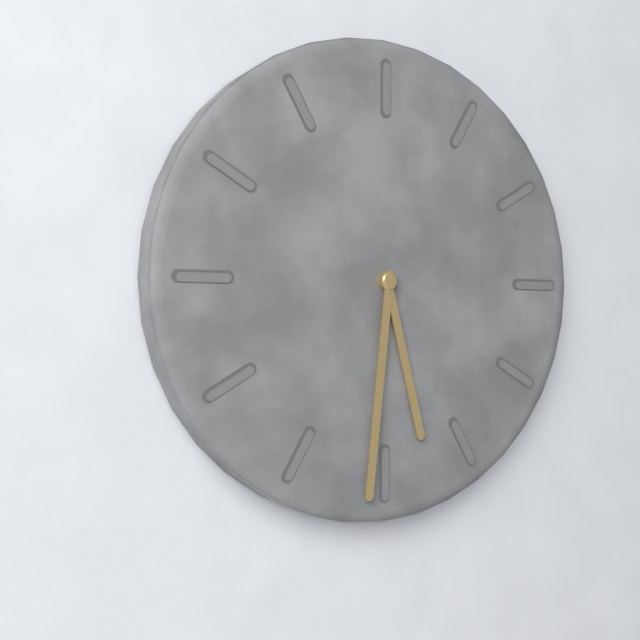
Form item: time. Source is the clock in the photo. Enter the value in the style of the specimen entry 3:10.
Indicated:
5:31
